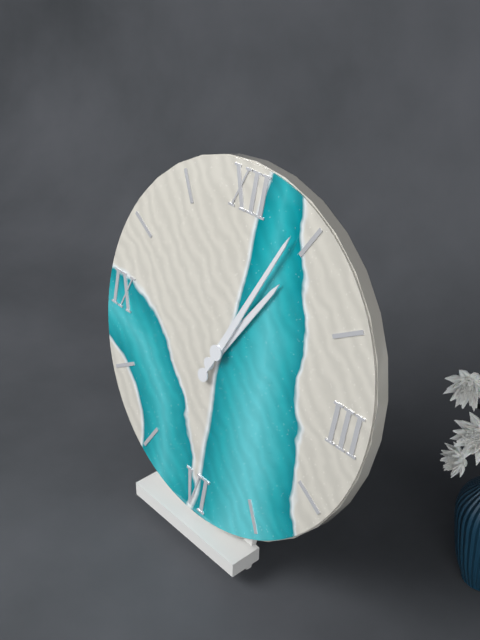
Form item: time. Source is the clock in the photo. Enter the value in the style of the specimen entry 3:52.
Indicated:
1:04
